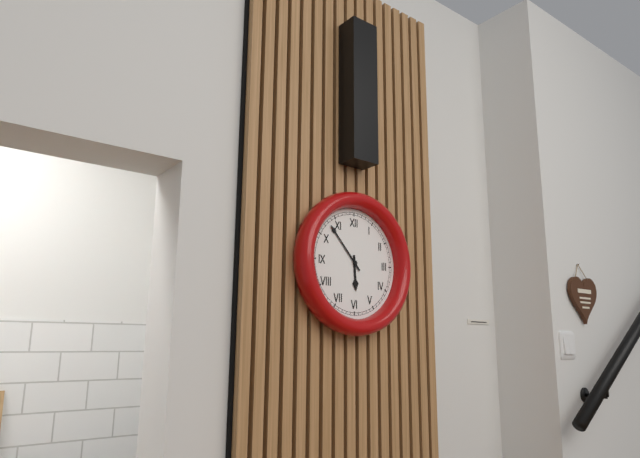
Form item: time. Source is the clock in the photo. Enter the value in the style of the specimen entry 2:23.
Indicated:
5:53
